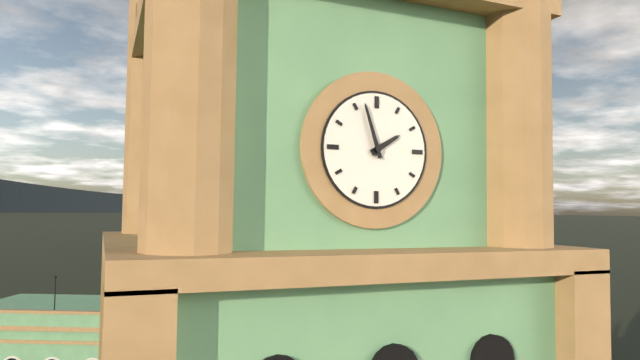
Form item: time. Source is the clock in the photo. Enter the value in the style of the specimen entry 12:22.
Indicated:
1:57
